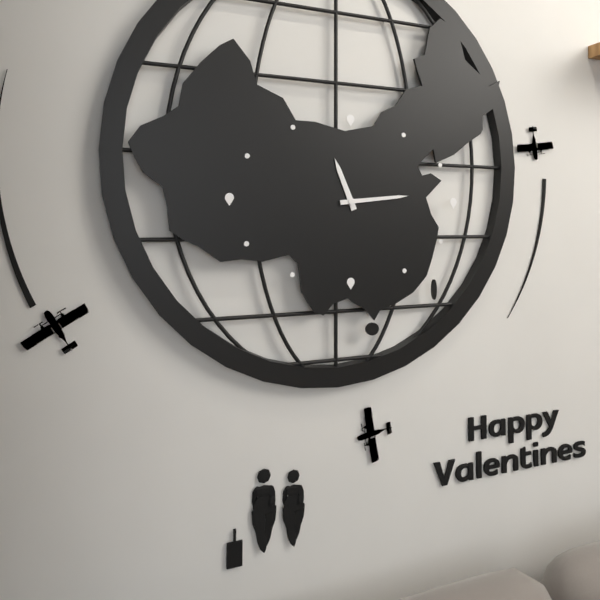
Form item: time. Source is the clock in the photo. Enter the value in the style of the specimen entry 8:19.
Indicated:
11:14
